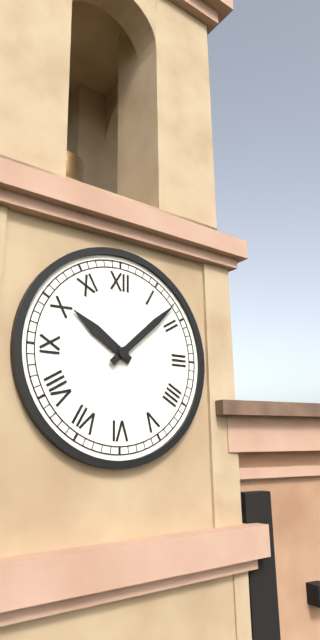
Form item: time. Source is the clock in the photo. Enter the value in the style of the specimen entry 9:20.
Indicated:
10:08
